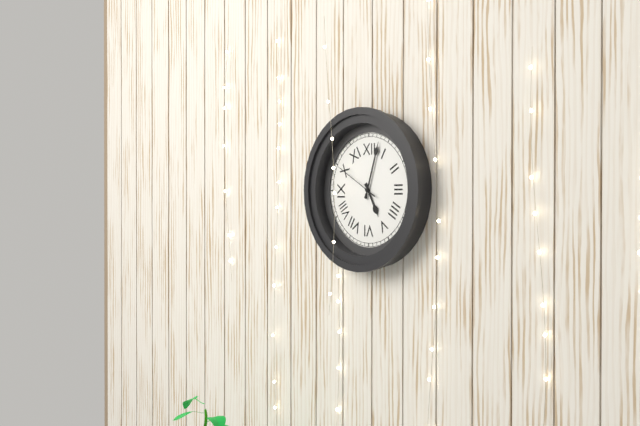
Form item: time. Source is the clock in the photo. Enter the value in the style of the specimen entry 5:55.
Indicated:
5:03
